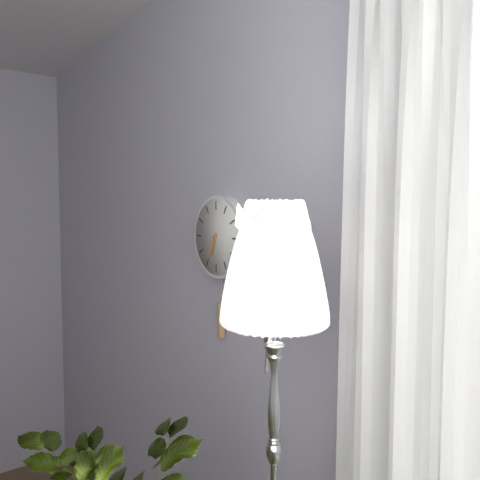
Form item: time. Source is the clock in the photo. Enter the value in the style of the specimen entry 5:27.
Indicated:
6:35
